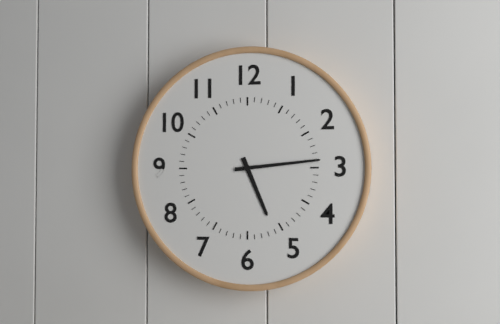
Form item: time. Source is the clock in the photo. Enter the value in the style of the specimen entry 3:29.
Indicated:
5:14
